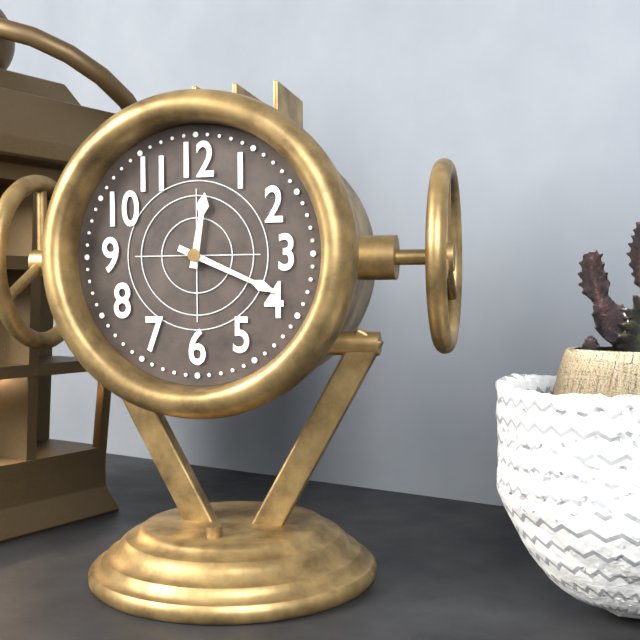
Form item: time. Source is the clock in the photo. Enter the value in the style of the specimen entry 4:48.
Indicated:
12:19
